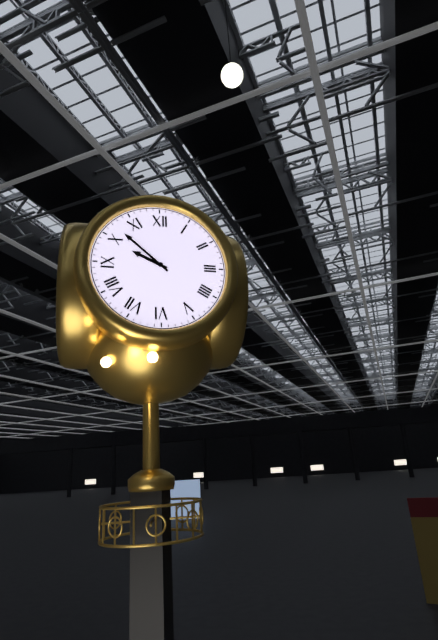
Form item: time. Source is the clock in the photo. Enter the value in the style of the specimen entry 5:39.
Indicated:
9:52
